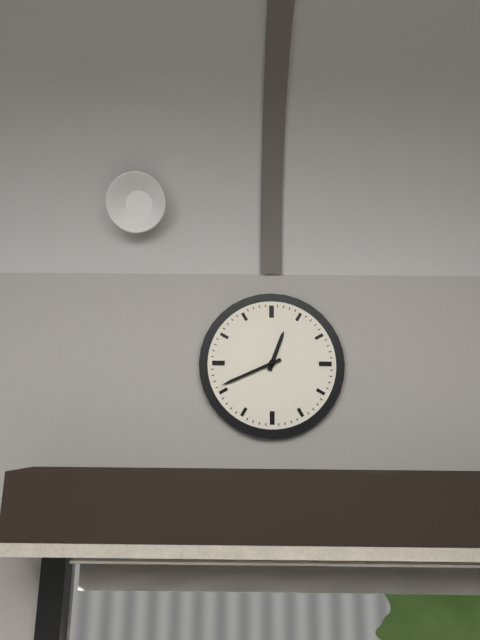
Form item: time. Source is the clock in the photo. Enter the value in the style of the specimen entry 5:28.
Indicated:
12:41
